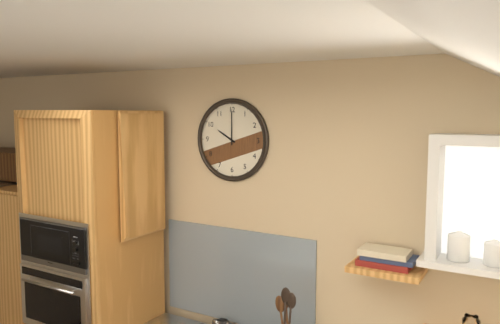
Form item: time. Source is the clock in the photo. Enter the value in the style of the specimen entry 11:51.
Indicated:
10:00
